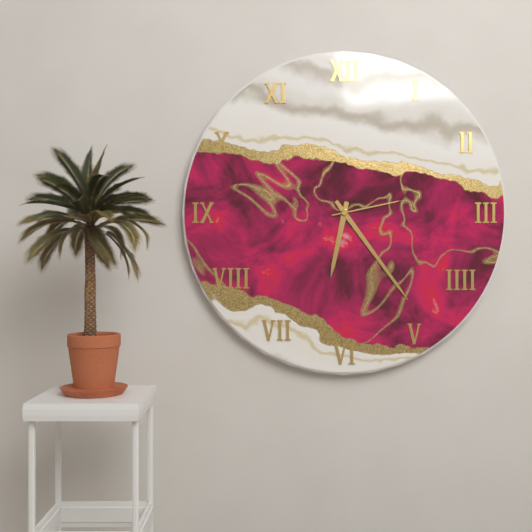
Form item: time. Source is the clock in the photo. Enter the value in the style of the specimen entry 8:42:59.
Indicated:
6:24:13
